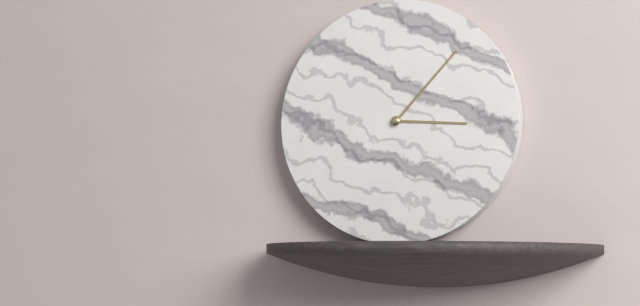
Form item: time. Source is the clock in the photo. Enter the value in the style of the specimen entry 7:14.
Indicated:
3:07
